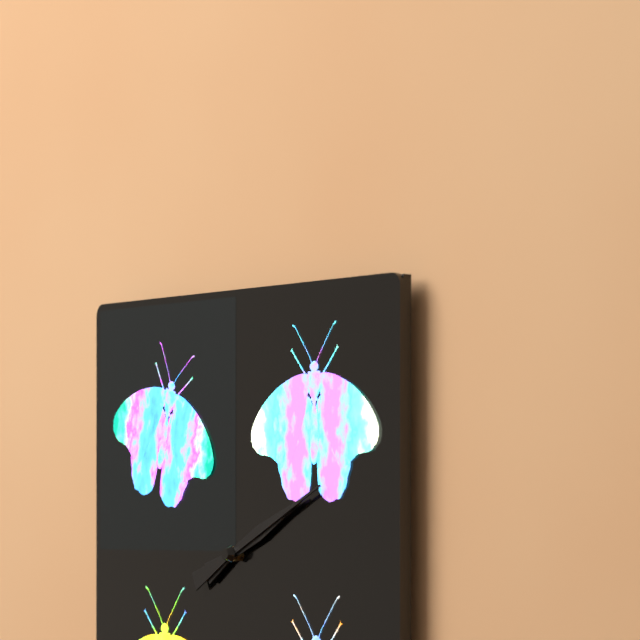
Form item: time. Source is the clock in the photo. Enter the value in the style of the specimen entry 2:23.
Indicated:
2:11
